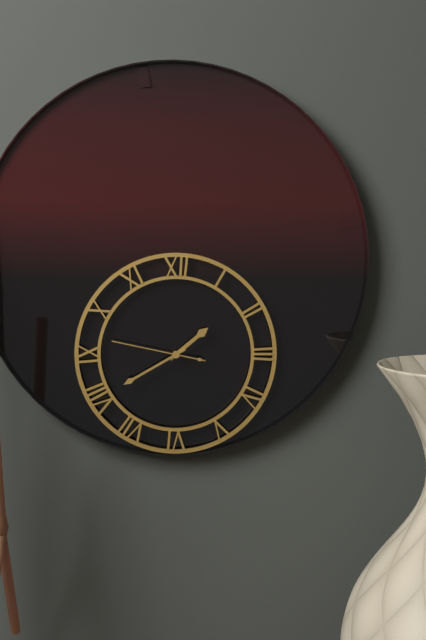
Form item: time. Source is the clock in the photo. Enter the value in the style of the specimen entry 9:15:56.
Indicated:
1:40:47
